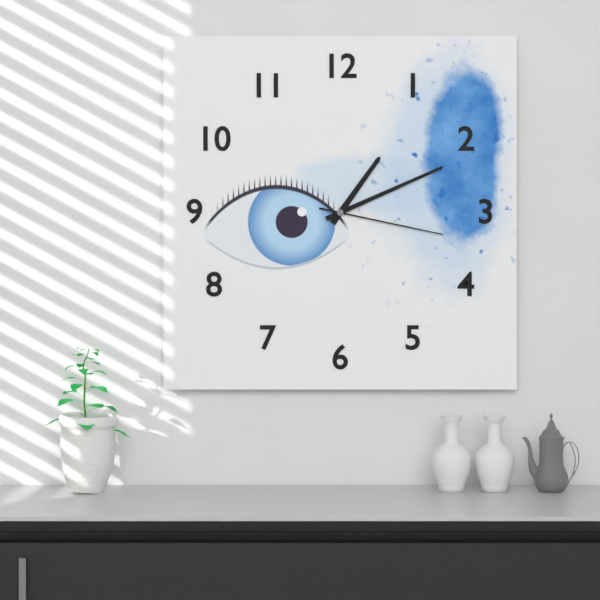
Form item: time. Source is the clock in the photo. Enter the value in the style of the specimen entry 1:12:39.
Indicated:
1:11:17
